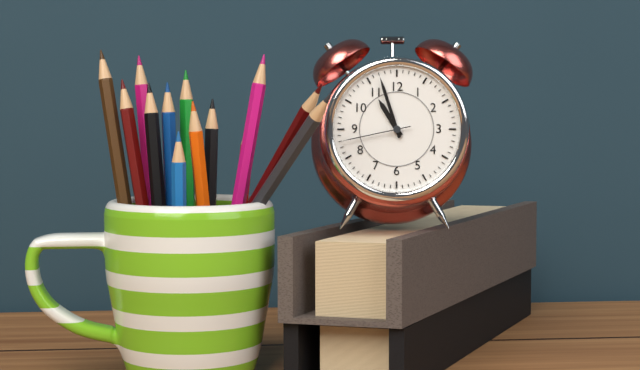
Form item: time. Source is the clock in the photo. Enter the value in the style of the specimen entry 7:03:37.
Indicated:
10:57:43
